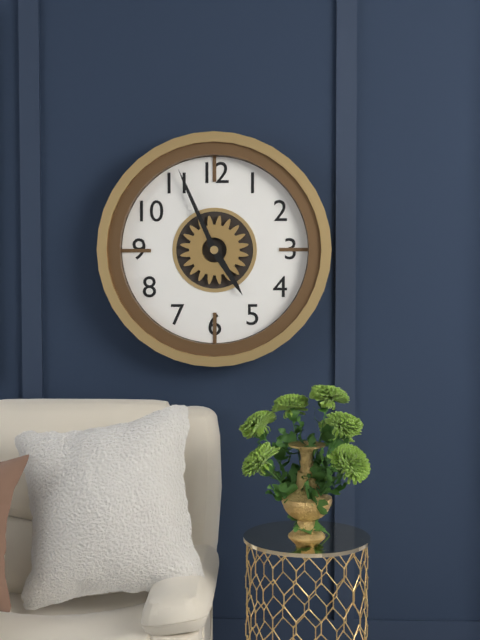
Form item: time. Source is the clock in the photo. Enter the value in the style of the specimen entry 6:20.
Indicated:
4:56
